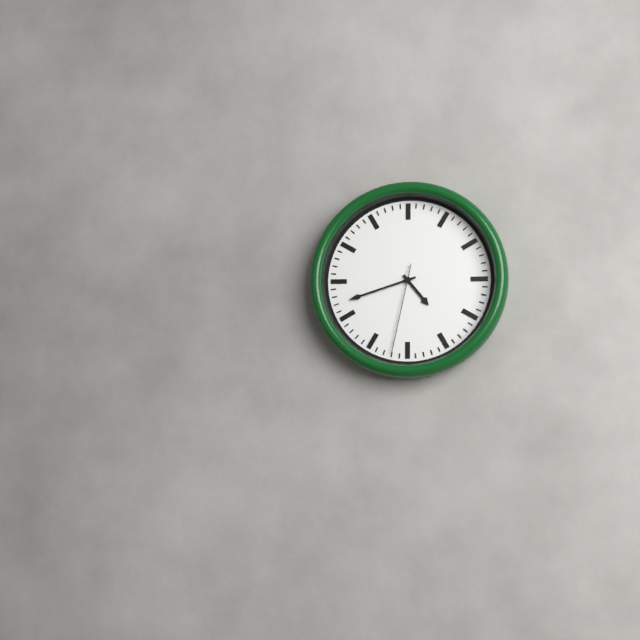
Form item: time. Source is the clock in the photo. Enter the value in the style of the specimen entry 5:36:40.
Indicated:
4:42:32
